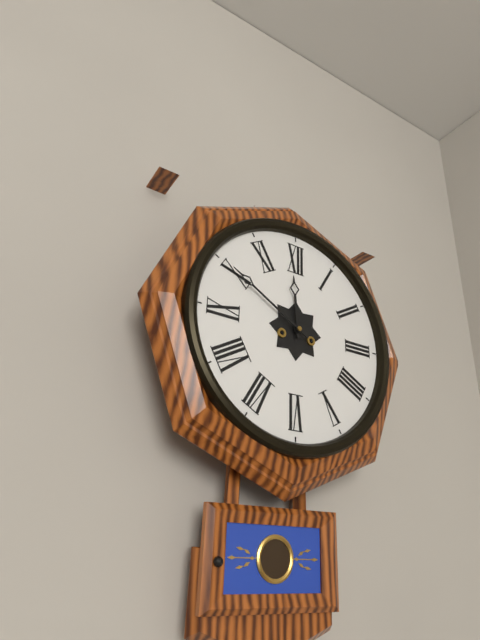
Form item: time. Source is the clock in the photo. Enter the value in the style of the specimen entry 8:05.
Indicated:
11:50
